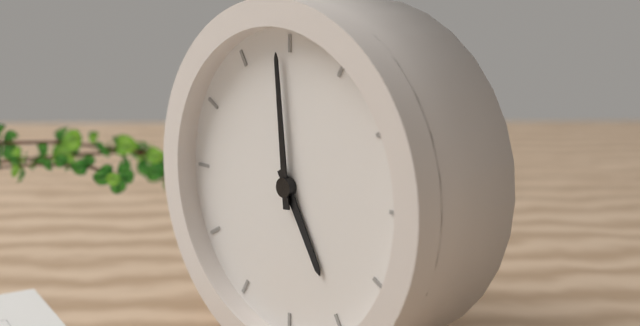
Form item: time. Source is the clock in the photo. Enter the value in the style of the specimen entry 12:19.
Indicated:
4:59
